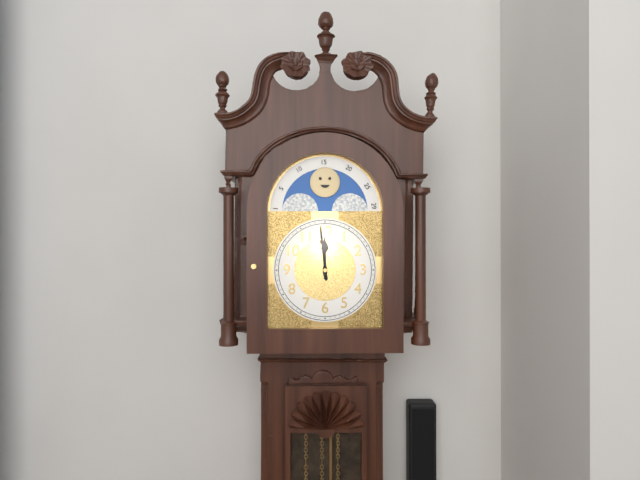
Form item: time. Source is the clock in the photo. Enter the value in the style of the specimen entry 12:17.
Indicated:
11:59
